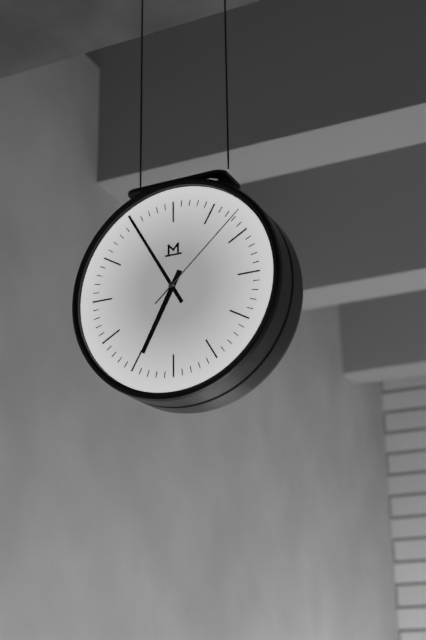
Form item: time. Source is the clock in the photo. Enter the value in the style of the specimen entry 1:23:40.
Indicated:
6:55:08
